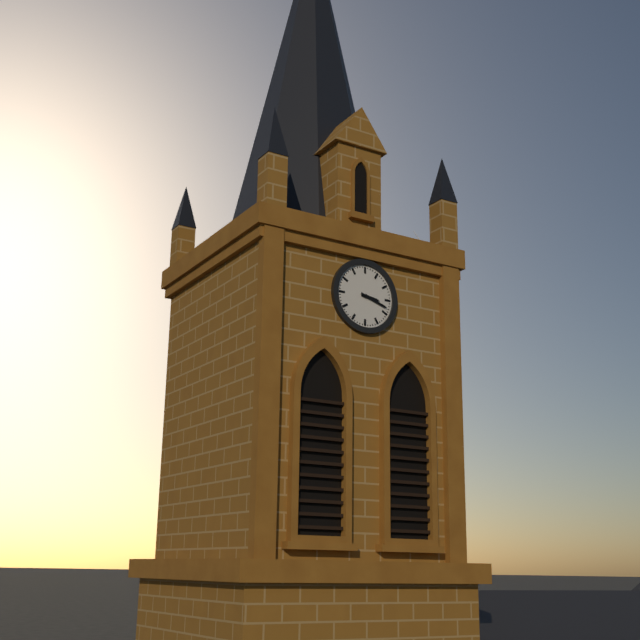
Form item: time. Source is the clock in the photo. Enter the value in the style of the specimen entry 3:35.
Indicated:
3:18
